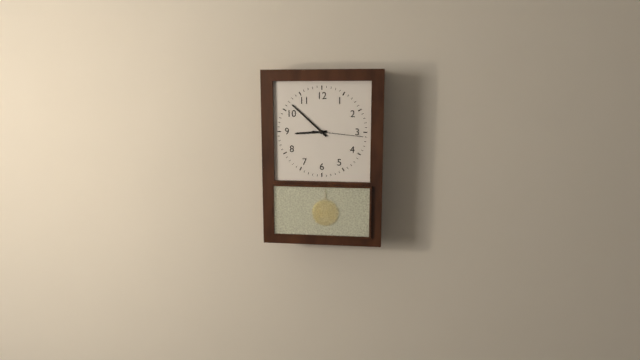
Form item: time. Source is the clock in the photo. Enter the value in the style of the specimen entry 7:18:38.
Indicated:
8:52:16
